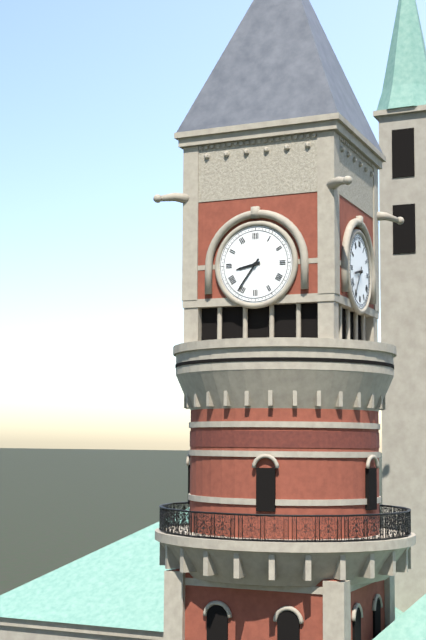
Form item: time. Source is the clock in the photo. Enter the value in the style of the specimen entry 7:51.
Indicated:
8:36
